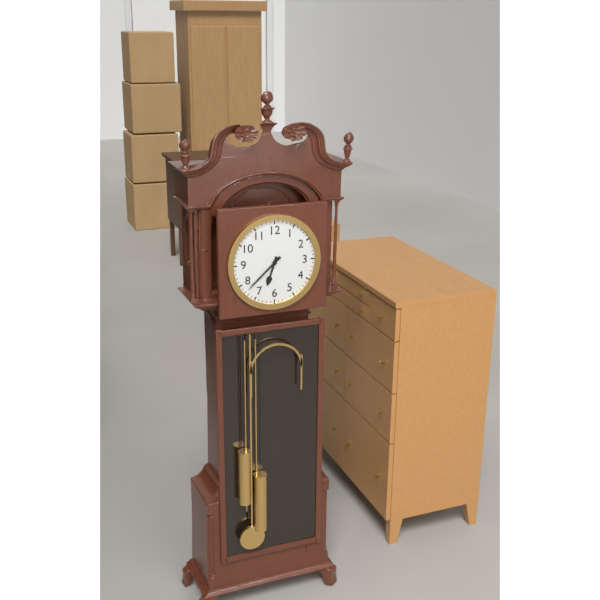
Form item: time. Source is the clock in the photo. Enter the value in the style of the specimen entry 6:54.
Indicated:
6:38
